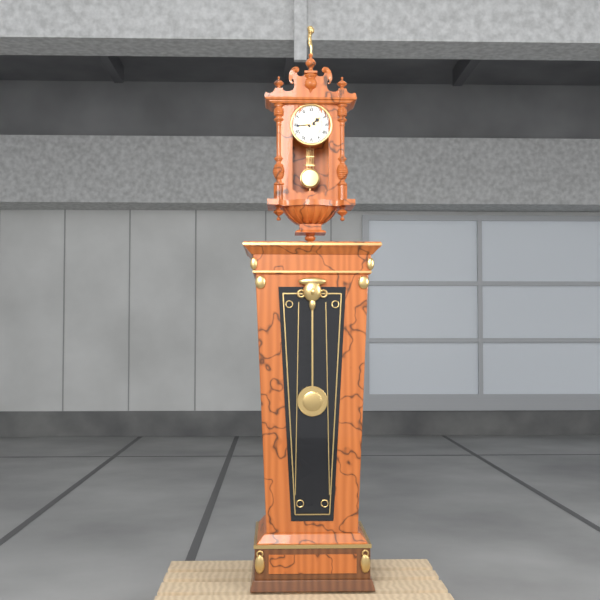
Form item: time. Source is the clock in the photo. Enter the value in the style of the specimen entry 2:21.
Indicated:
1:44
